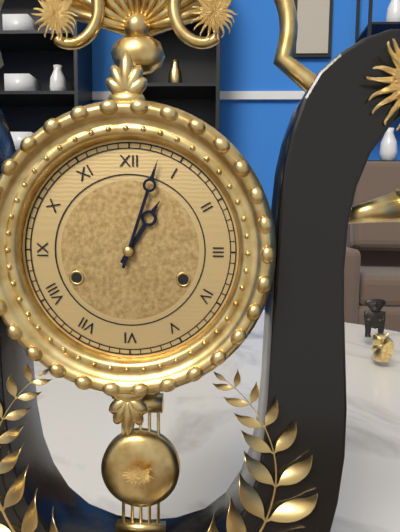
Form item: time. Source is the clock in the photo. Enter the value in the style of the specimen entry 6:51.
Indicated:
1:03
